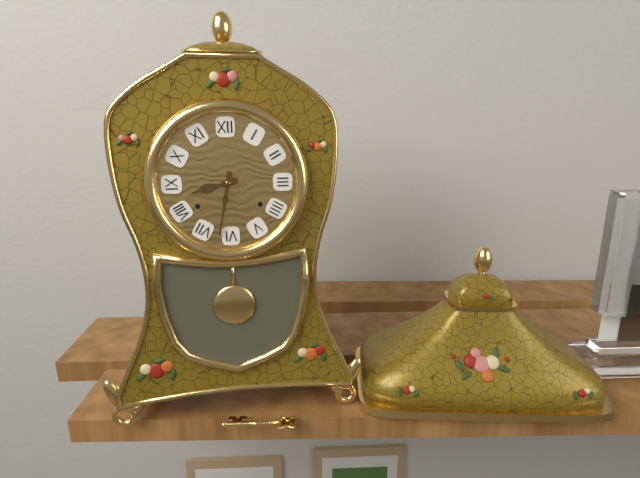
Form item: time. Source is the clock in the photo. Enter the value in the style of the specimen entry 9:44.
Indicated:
8:32
